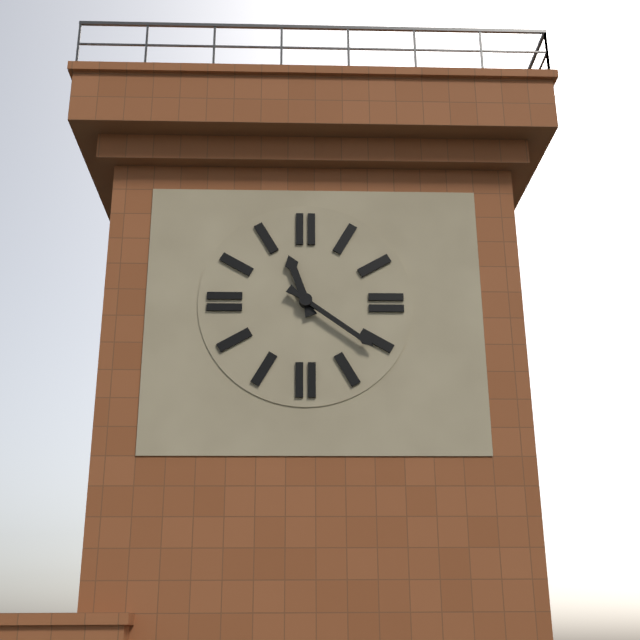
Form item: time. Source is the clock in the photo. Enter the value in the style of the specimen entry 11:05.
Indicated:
11:21
